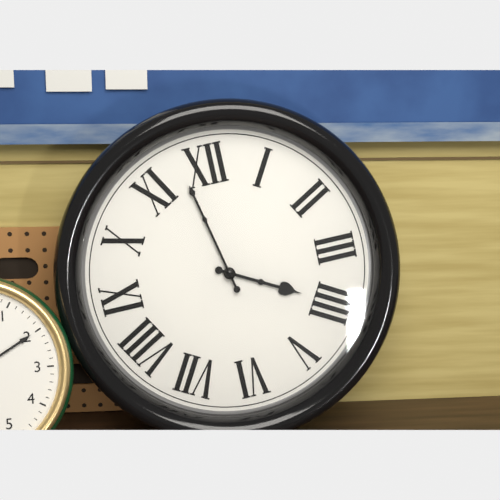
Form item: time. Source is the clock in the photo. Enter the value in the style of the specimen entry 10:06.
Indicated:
3:58
